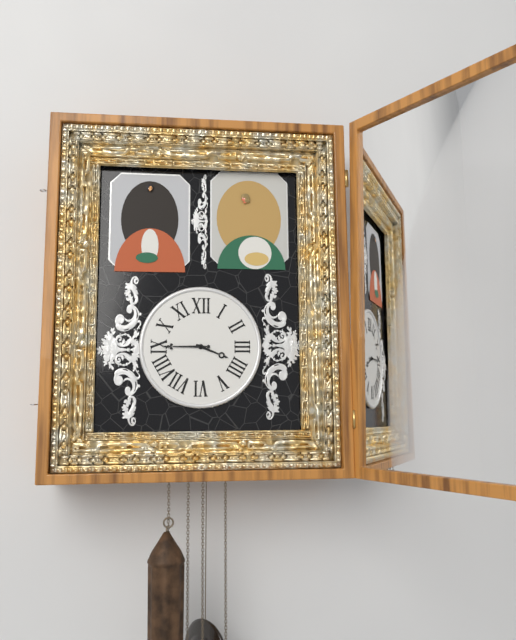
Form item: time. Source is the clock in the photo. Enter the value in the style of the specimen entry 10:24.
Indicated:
3:45
